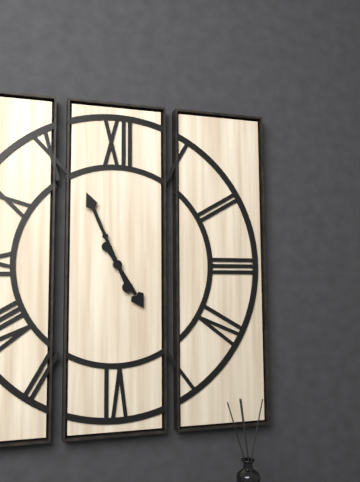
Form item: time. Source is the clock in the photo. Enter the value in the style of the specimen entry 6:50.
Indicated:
4:56
